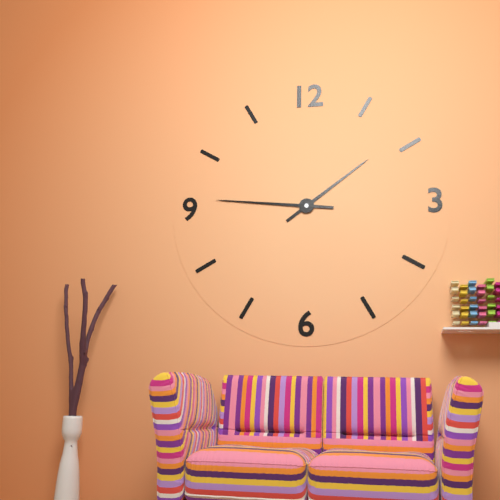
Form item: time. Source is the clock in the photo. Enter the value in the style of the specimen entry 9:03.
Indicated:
1:46
